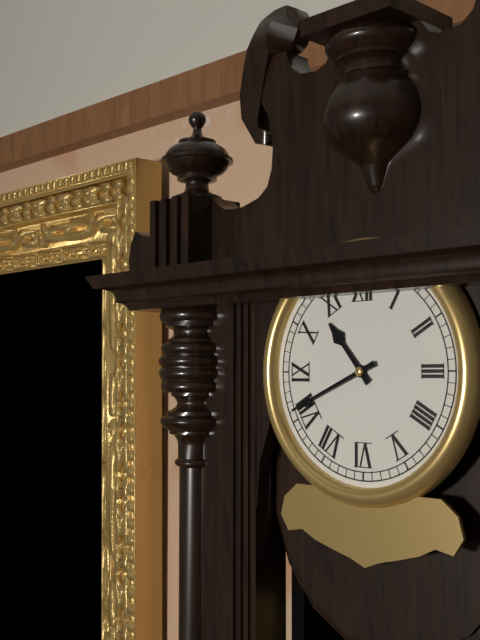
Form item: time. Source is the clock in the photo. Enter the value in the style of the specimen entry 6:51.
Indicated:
10:41
